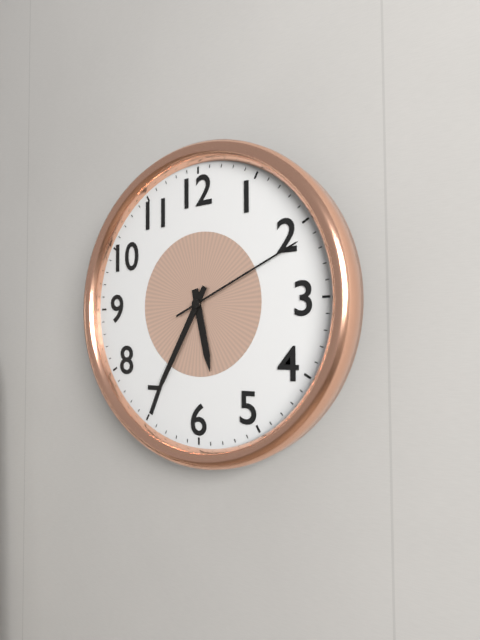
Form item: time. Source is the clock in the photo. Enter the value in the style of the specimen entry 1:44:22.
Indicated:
5:35:11
